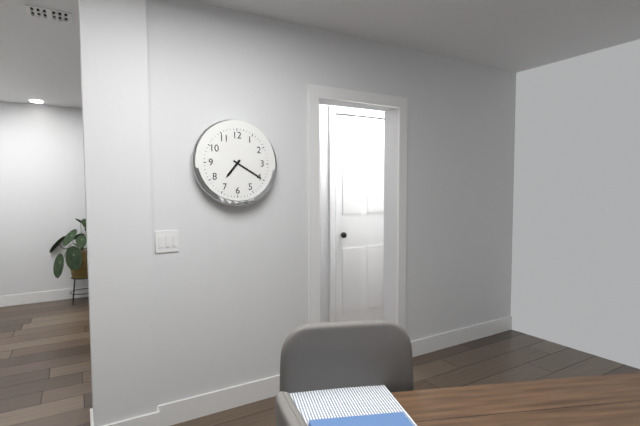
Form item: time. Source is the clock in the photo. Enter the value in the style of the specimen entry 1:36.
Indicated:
7:20
